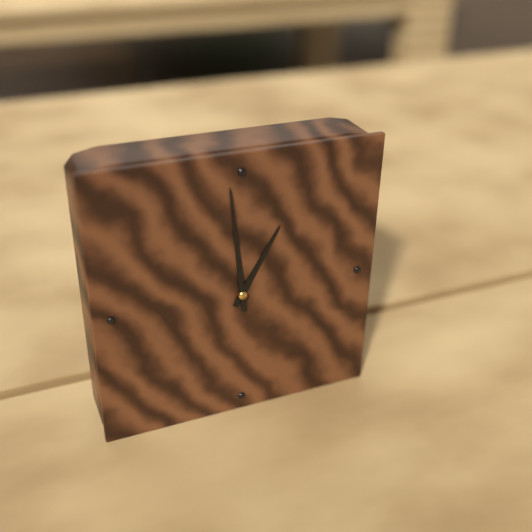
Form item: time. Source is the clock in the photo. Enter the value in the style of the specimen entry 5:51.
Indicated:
12:59
